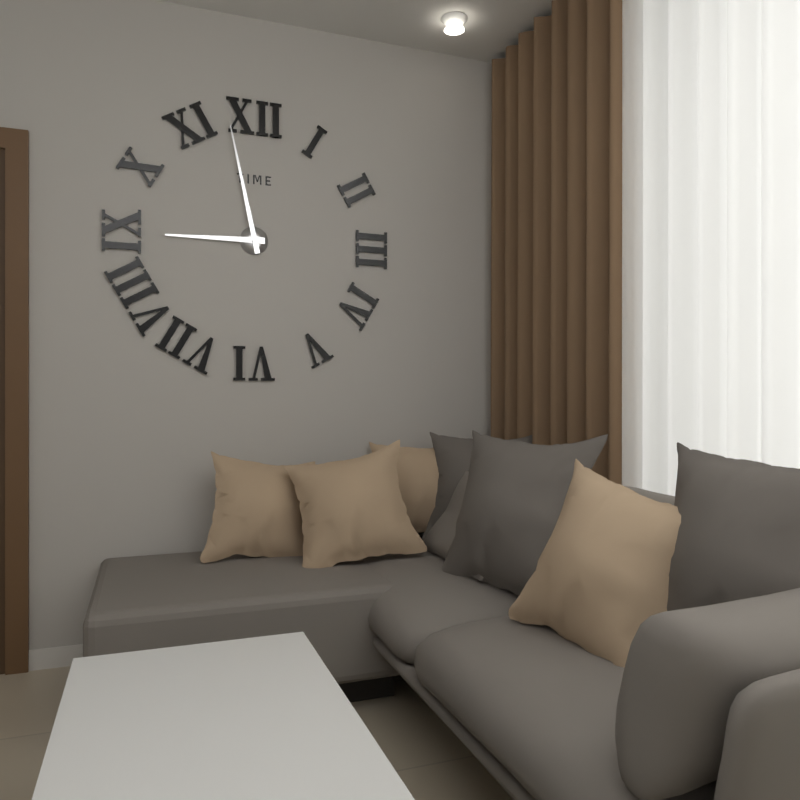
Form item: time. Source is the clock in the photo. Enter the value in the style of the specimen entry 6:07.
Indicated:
8:58
